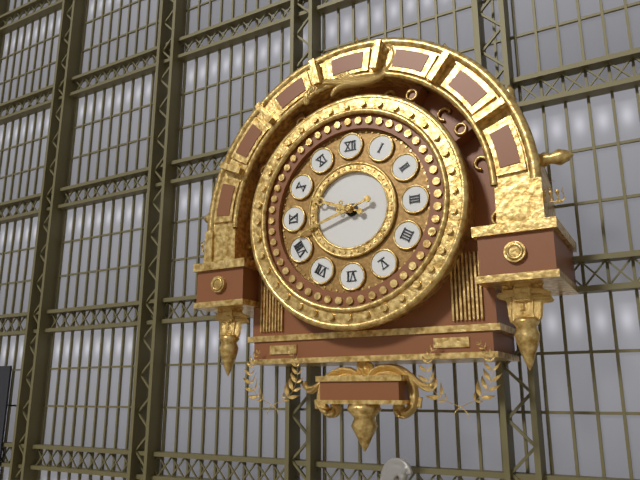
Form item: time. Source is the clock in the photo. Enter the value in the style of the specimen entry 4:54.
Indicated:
9:42
